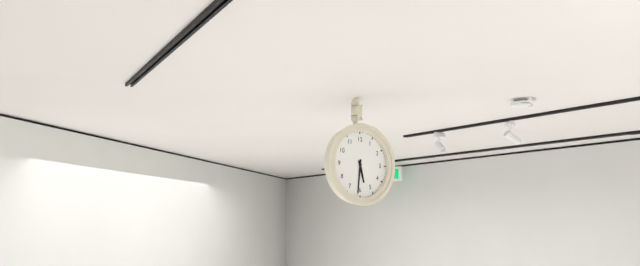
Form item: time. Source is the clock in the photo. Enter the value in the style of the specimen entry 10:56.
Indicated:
5:31
